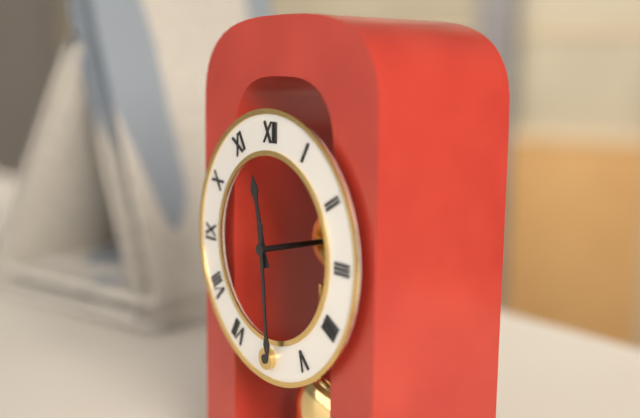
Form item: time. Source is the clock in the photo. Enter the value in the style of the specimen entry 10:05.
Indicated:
11:29
